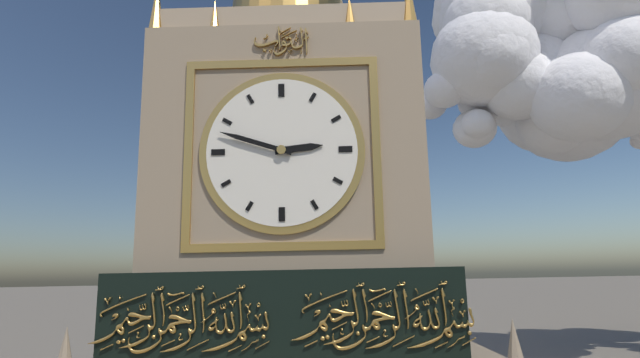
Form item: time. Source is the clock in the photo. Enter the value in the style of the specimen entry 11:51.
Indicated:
2:48
